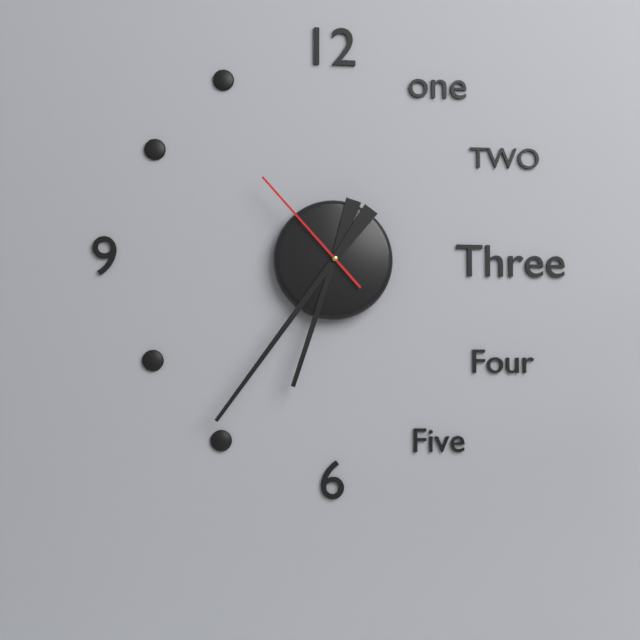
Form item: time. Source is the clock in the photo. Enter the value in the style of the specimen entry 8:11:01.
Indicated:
6:36:53
